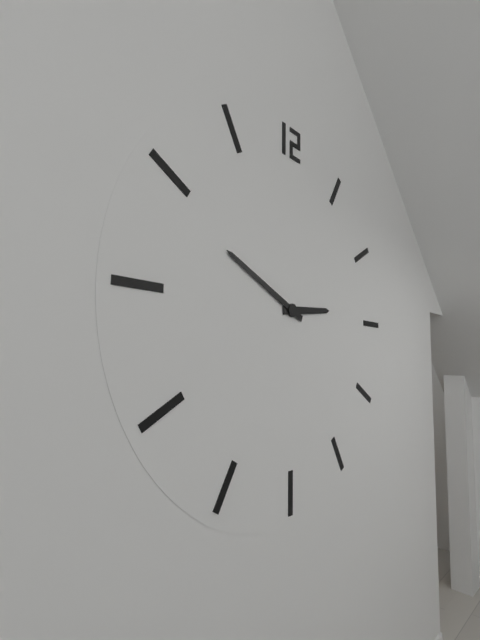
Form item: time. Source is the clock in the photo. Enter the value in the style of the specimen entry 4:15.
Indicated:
2:49
